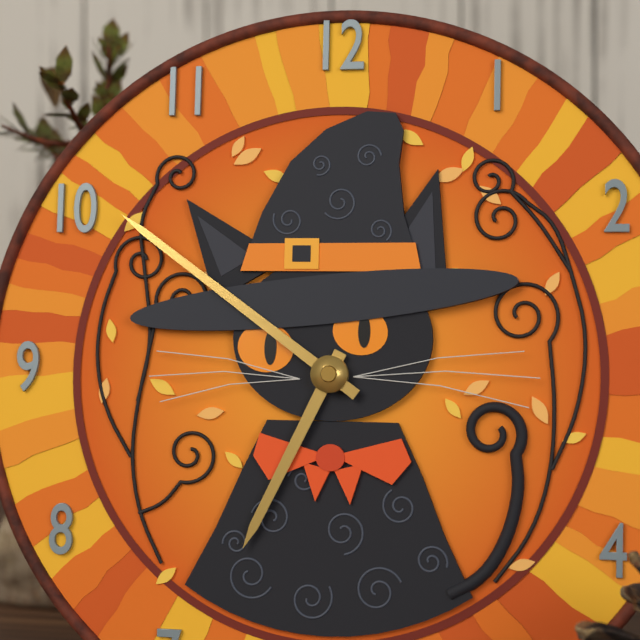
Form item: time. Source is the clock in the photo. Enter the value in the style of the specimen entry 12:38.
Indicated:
6:51
